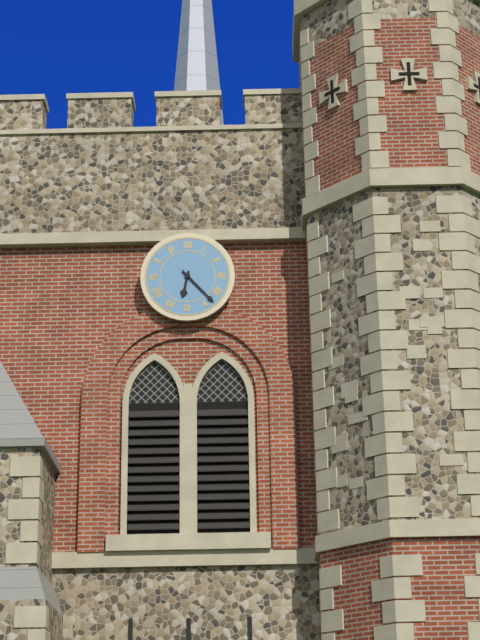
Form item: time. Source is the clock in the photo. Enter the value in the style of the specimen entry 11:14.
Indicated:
6:23
